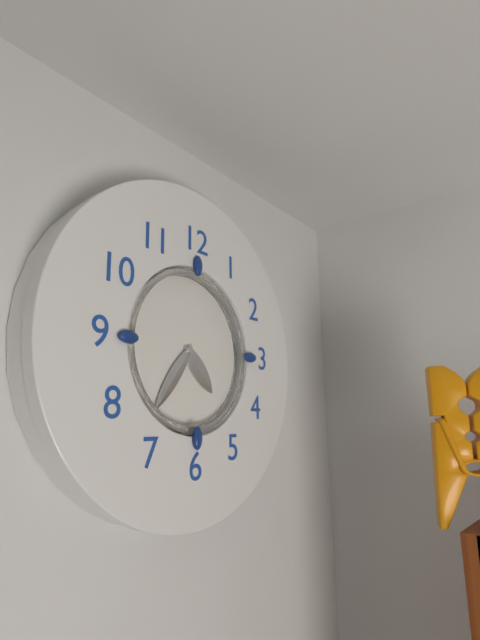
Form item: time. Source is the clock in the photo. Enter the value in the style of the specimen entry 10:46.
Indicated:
4:36
